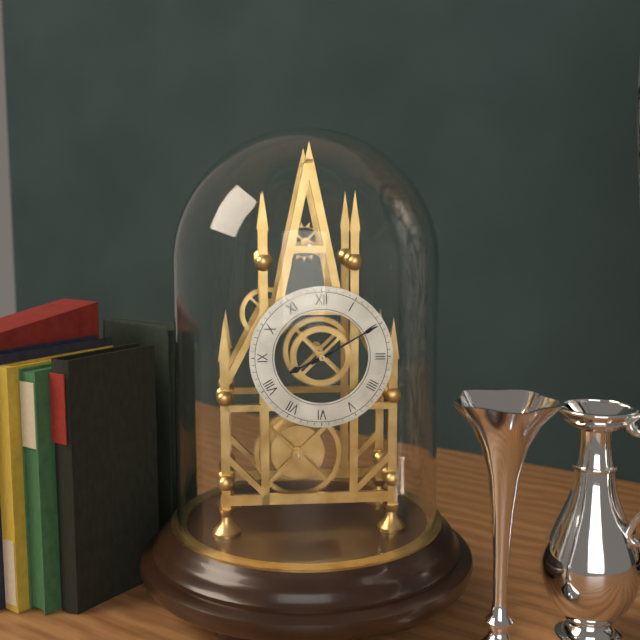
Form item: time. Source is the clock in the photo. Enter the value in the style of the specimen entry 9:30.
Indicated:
8:10
